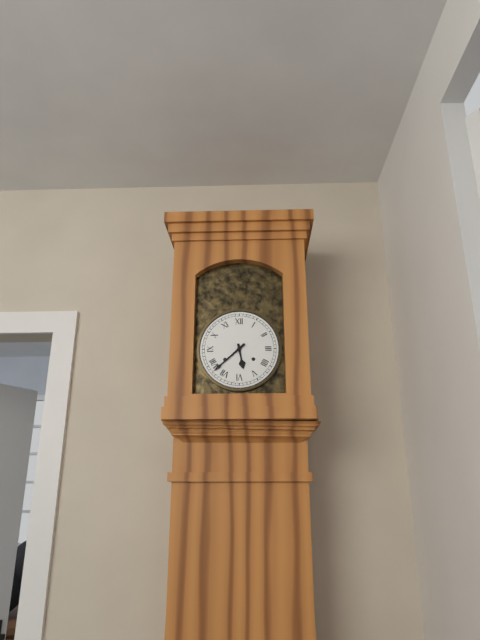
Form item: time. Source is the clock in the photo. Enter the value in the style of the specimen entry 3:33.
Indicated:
5:38
